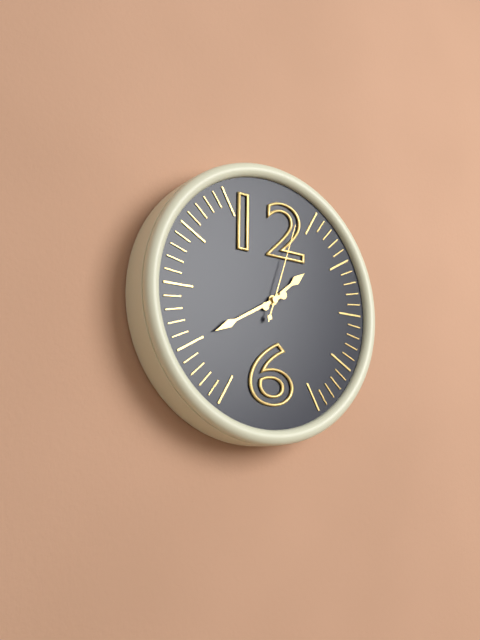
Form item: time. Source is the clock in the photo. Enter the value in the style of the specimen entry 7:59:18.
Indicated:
1:40:03
